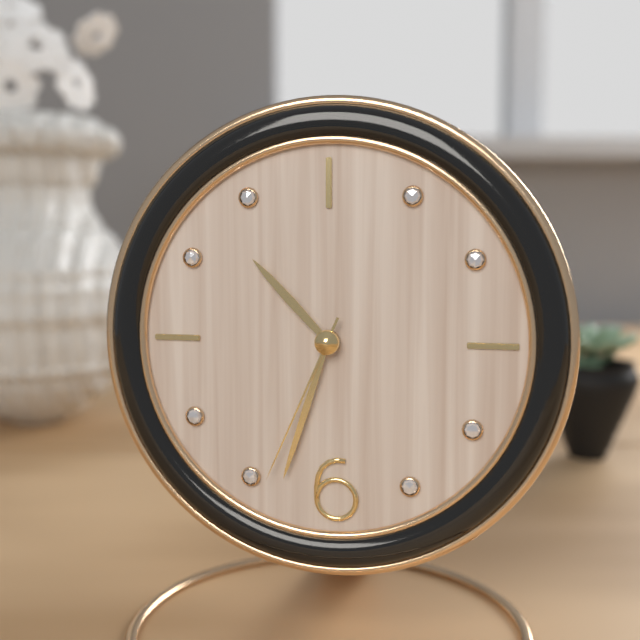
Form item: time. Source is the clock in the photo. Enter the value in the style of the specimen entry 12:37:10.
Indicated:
10:33:34
